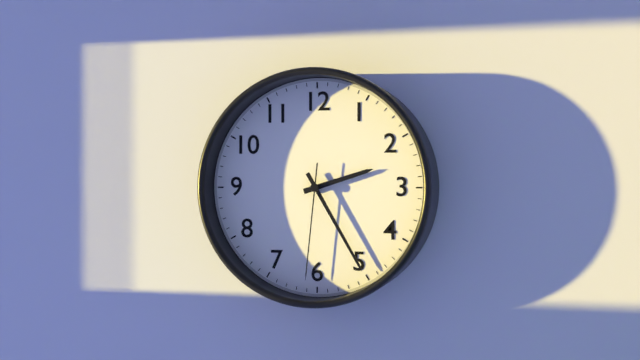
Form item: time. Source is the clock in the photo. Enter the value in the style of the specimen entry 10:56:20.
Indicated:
2:25:31
